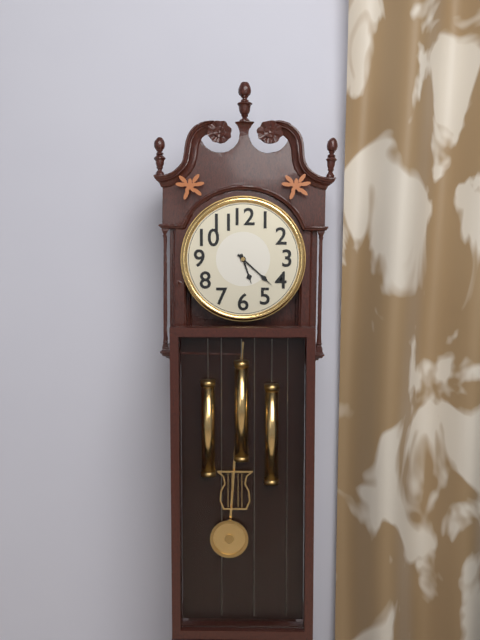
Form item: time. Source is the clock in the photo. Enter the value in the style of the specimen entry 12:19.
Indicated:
5:22
